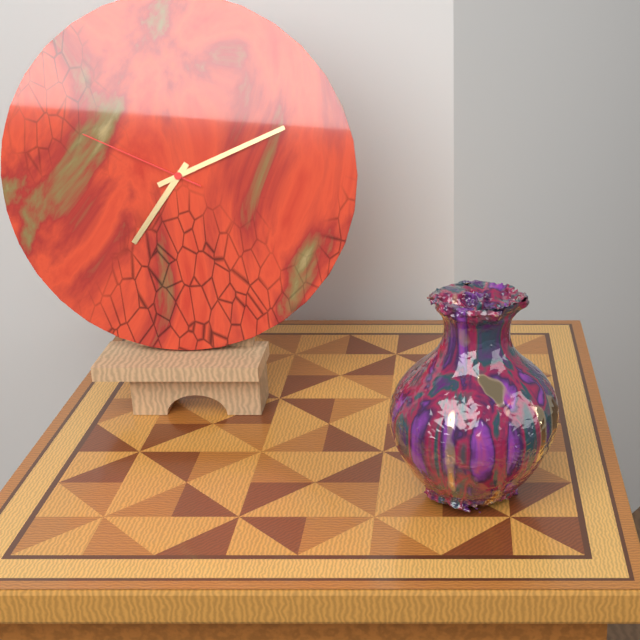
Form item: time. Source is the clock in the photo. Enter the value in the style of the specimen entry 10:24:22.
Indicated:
7:11:49
